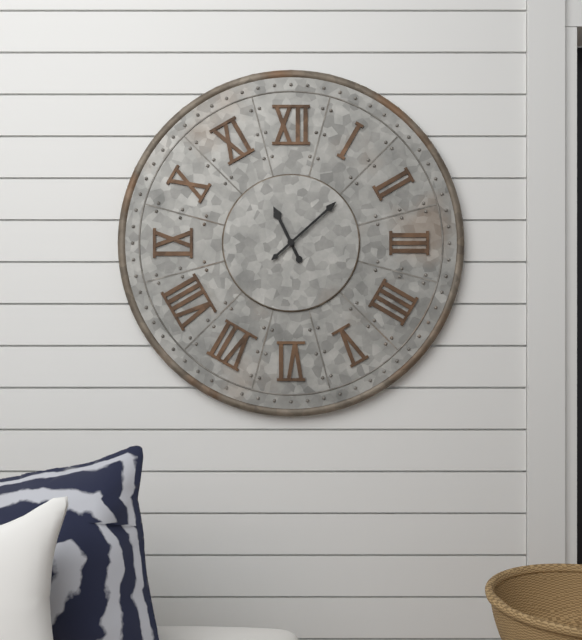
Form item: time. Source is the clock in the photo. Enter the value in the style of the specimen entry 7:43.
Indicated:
11:08
